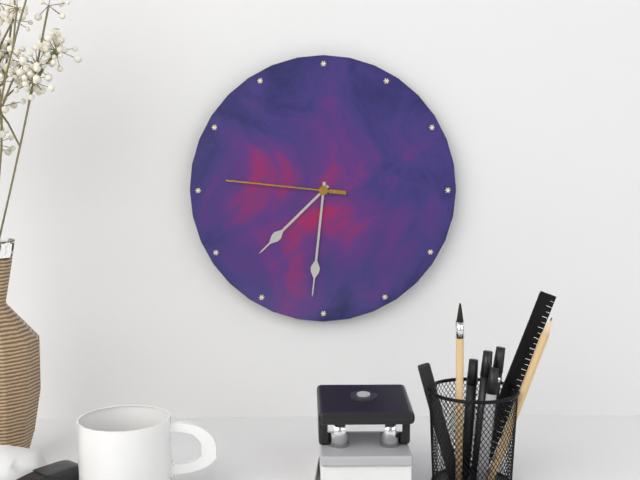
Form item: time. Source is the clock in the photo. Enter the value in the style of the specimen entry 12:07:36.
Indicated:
7:31:46
